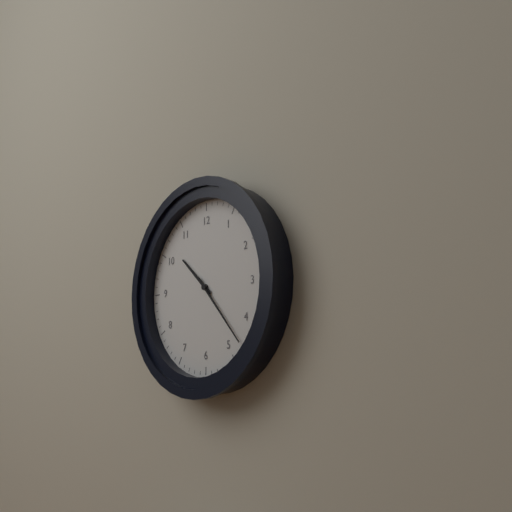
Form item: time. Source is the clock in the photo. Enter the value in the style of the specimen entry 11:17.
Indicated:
10:23
